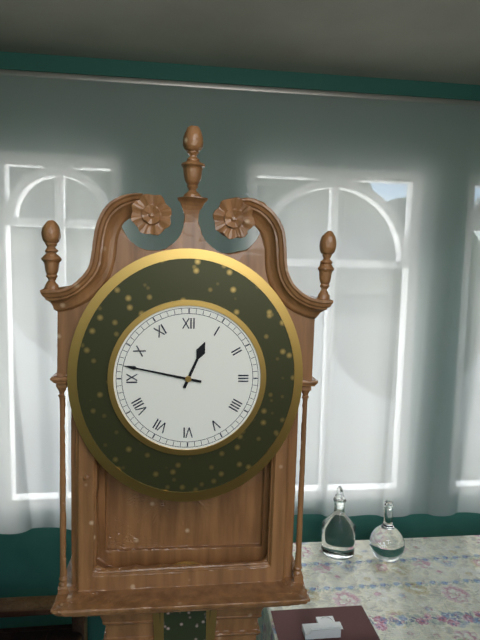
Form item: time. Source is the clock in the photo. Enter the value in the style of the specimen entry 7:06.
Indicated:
12:47
